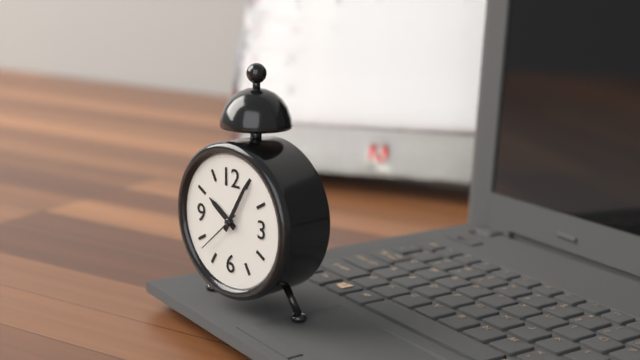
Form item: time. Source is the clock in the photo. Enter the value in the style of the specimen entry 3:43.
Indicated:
10:05
